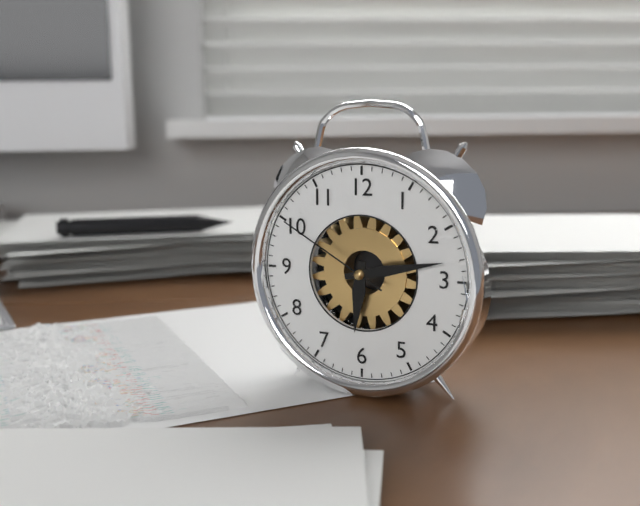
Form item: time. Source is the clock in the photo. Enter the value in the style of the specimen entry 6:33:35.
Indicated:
6:13:50
